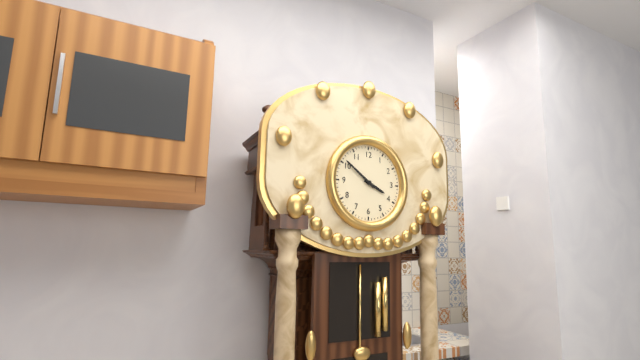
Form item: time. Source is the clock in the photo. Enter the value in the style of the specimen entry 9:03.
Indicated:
3:51
